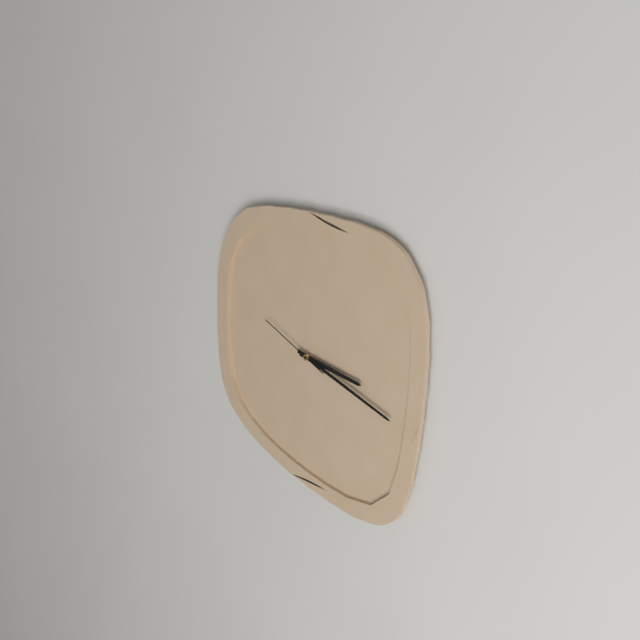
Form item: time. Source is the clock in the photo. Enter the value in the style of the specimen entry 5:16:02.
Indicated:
3:18:49
